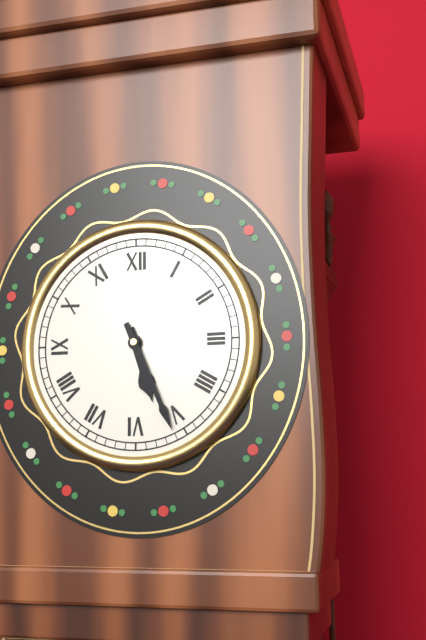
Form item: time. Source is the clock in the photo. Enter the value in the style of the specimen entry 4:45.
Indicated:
5:26
